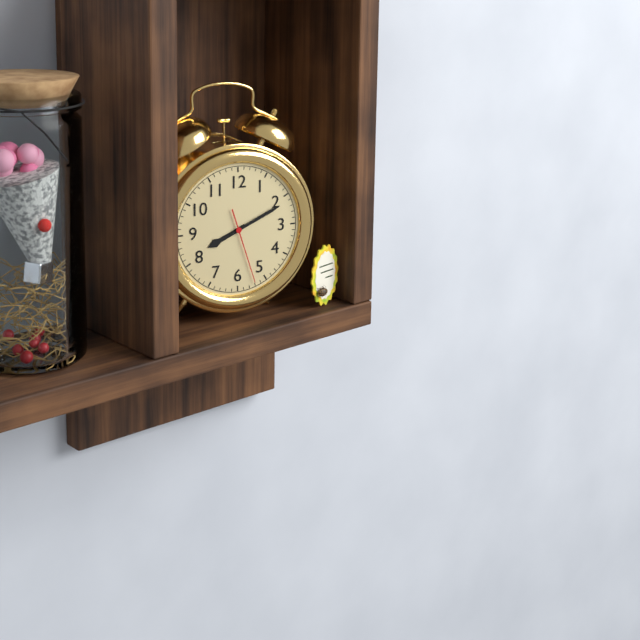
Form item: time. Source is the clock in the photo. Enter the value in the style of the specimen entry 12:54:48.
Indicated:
8:11:27
